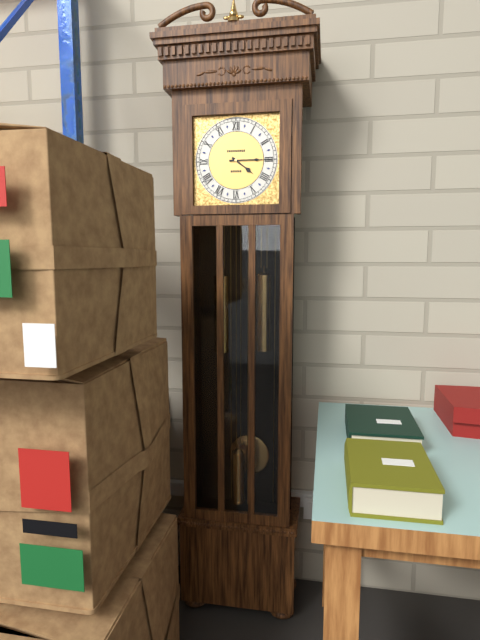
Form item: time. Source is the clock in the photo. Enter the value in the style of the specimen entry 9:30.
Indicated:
4:15
